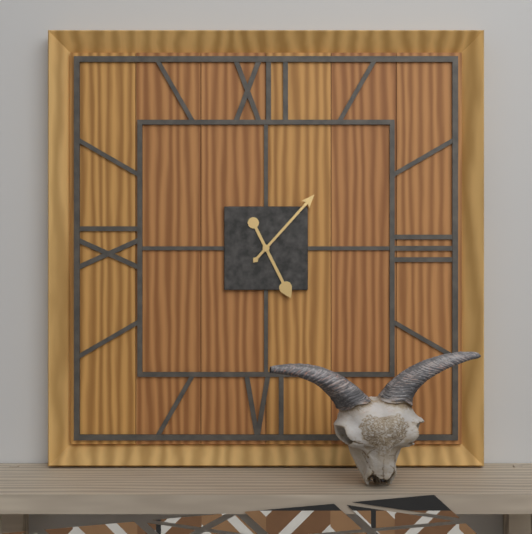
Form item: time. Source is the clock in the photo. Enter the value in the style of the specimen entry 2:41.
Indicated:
5:07
